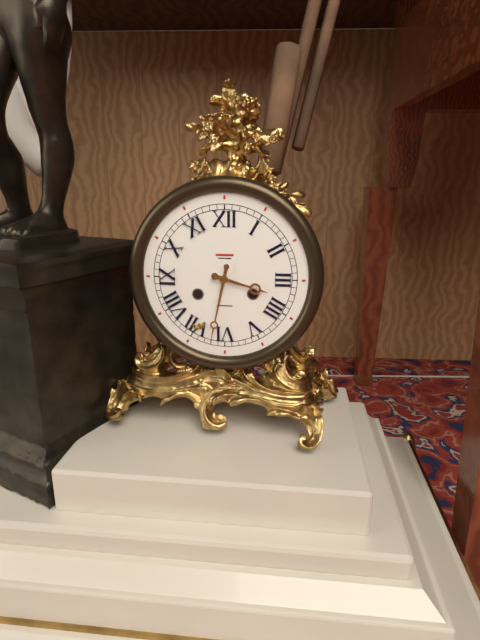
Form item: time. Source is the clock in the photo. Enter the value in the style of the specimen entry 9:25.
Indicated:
3:32
